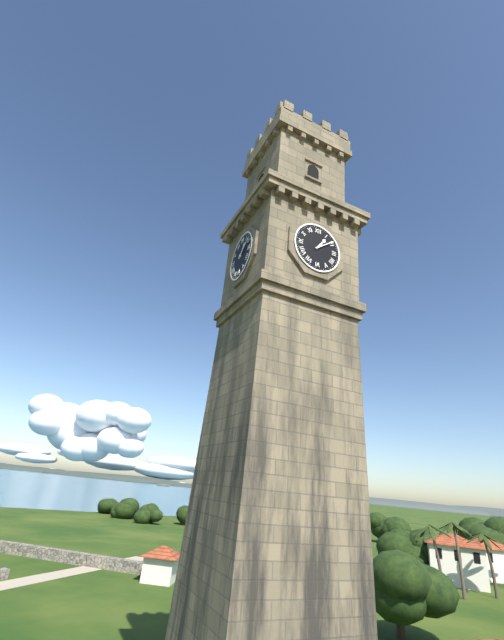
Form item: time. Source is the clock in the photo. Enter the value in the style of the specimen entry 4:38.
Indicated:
1:09
